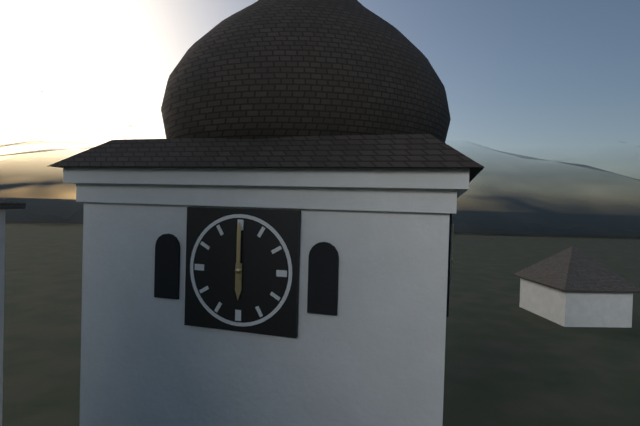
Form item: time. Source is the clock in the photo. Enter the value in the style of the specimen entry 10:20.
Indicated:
6:00
